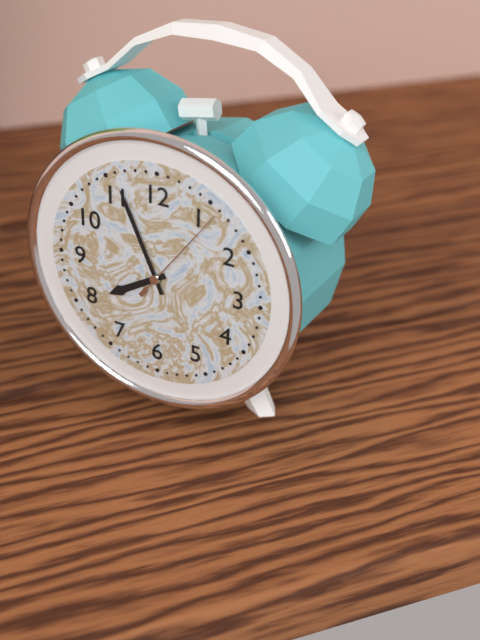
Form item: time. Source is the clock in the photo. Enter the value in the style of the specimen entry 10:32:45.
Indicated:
7:56:06
